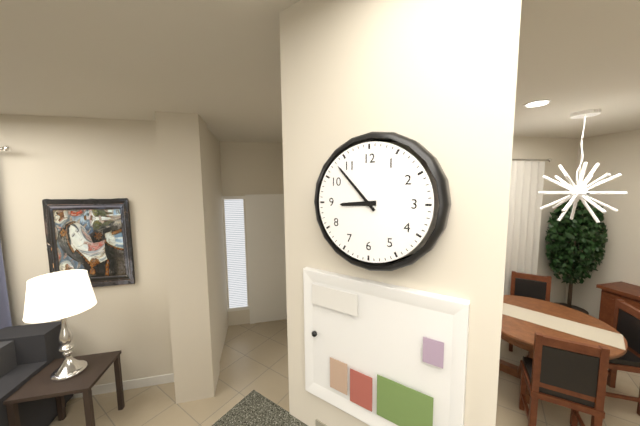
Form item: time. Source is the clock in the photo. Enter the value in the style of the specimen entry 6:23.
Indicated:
8:53
